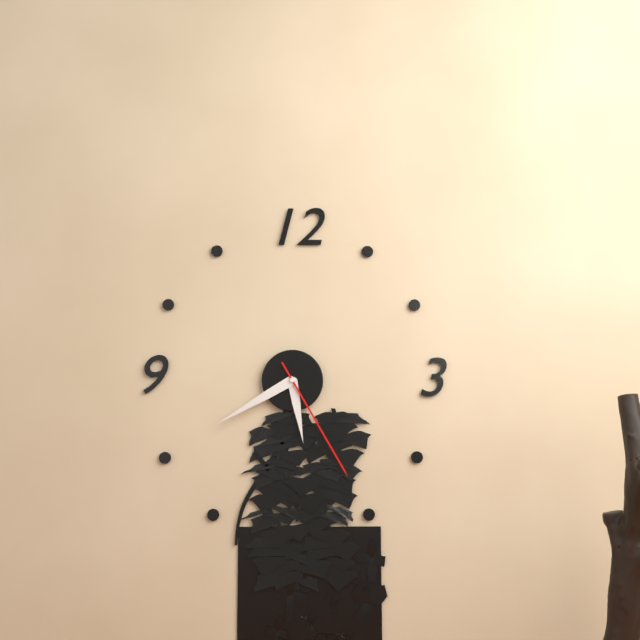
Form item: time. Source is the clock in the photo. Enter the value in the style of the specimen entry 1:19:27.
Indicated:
5:40:25
